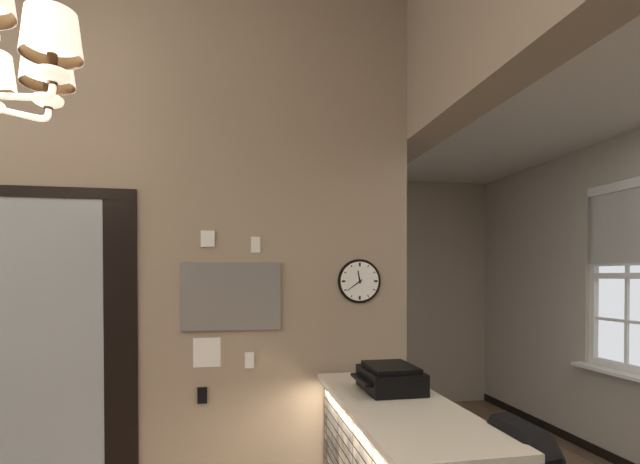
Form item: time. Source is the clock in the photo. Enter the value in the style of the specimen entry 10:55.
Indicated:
11:39
